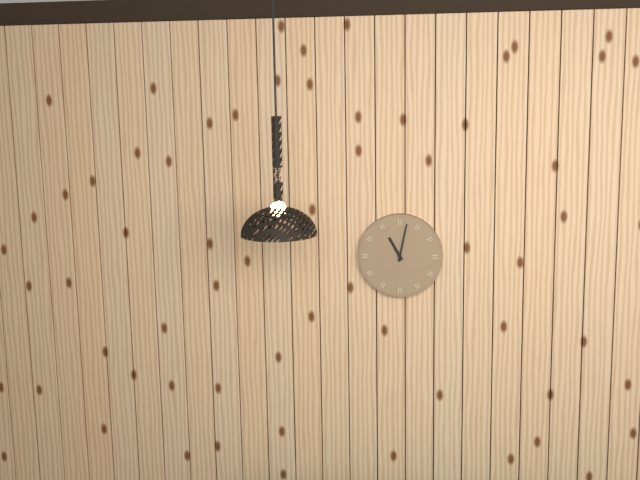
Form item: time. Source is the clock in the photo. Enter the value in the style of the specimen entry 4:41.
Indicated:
11:02
